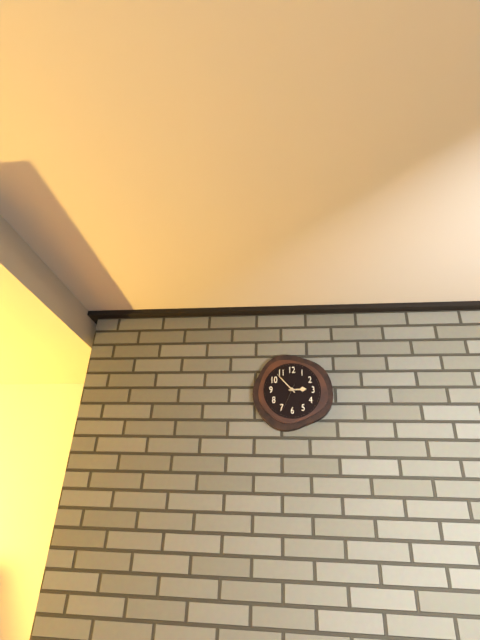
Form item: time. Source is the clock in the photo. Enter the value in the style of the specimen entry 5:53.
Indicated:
2:53
